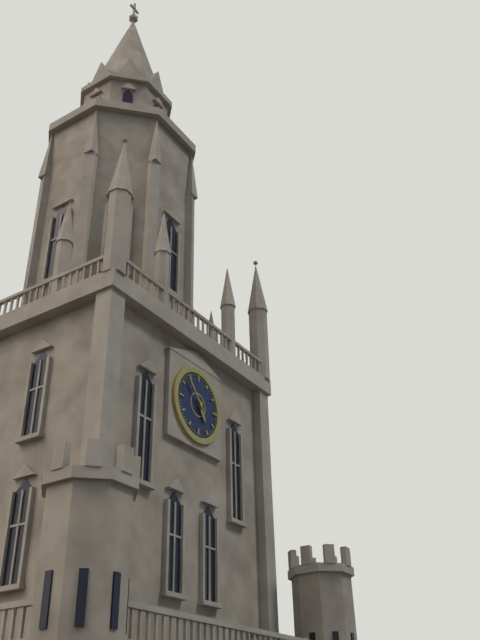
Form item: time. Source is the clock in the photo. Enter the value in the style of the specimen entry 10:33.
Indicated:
4:53
